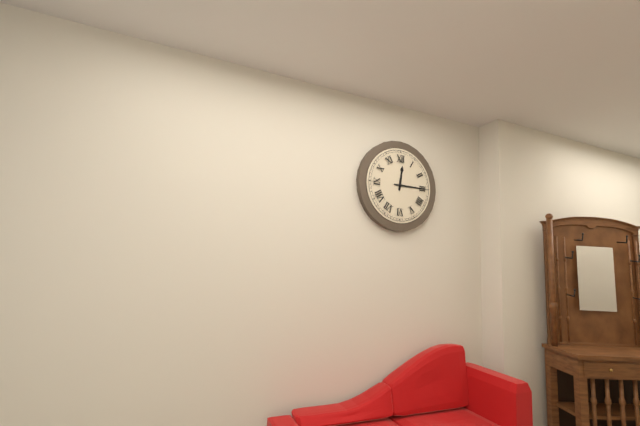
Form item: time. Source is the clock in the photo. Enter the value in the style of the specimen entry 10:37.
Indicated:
12:15
